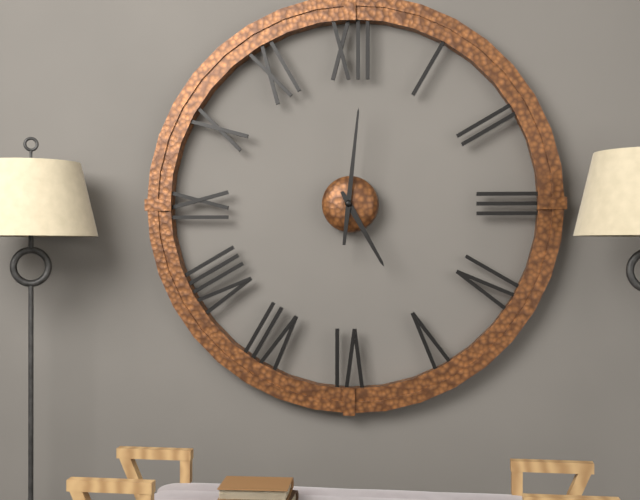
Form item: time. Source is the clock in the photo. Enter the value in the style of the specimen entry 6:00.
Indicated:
5:01
